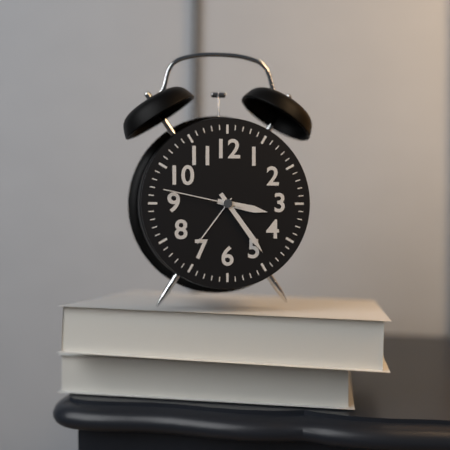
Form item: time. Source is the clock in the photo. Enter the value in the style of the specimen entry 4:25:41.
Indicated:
3:24:47
